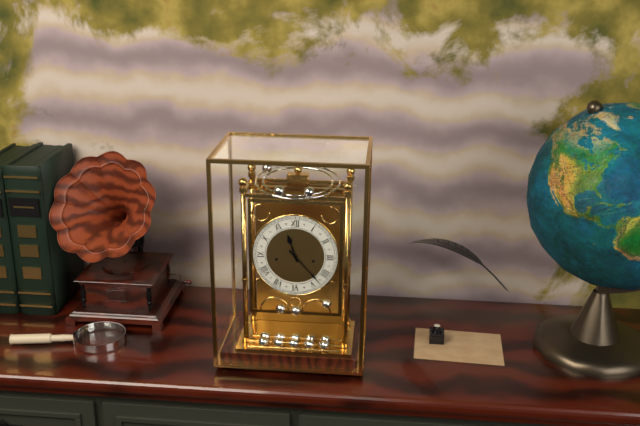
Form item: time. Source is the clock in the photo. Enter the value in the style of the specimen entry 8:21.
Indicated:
11:23
